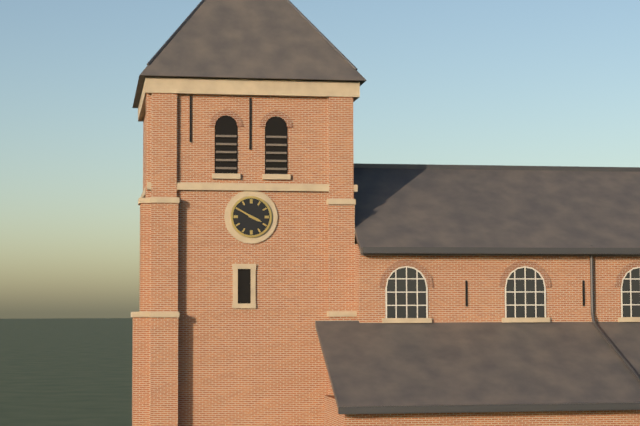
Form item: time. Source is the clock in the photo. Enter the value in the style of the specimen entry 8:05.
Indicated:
3:50
